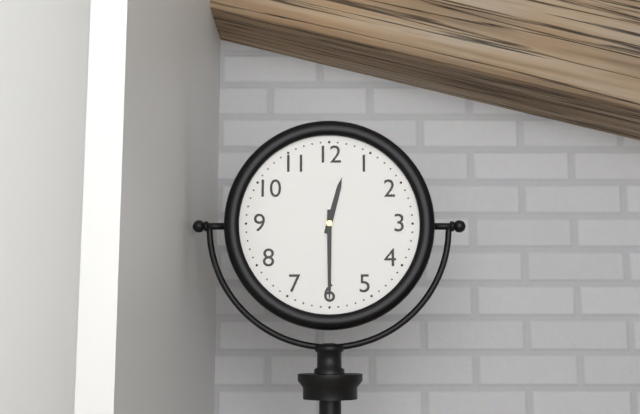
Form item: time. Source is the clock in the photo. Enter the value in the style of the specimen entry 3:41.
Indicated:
12:30
